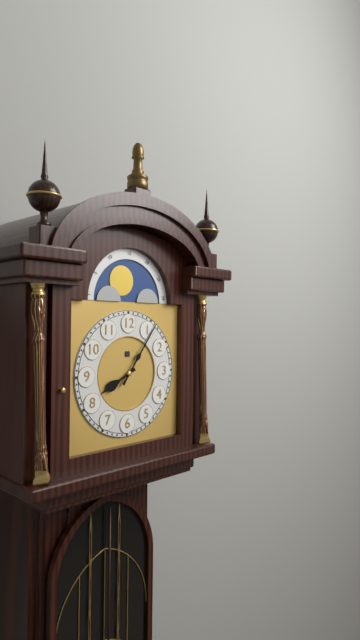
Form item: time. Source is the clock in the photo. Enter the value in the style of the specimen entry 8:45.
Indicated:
8:06
